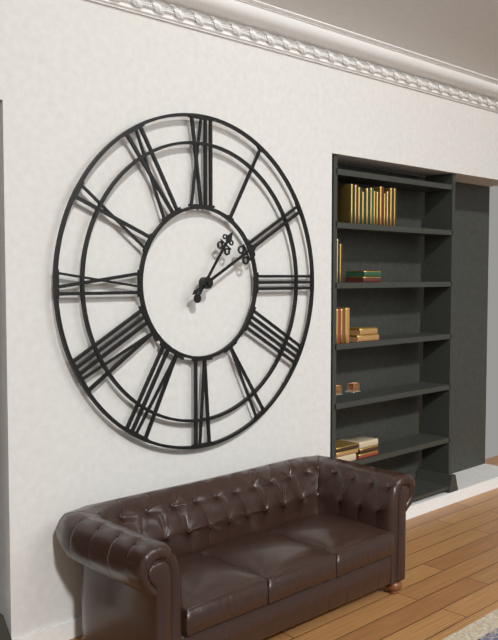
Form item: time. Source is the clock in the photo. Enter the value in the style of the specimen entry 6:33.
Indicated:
1:10
